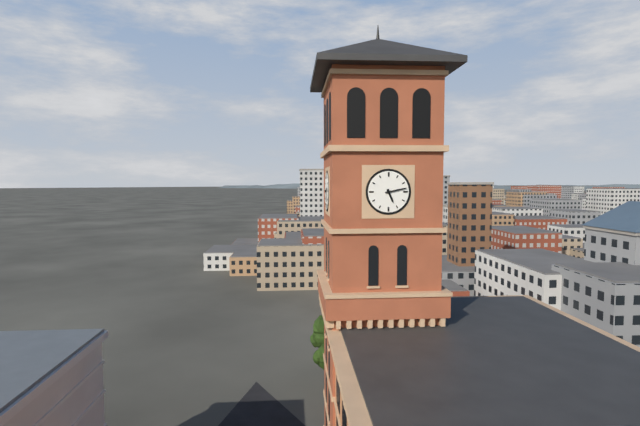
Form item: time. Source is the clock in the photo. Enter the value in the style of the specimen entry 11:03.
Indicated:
5:13
